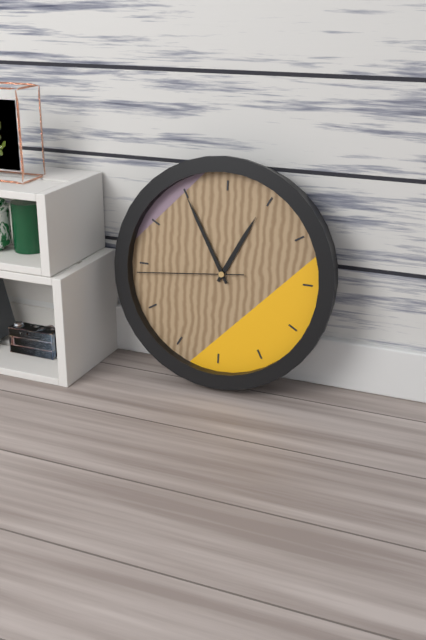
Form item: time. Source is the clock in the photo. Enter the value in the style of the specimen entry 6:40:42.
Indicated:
12:55:44
